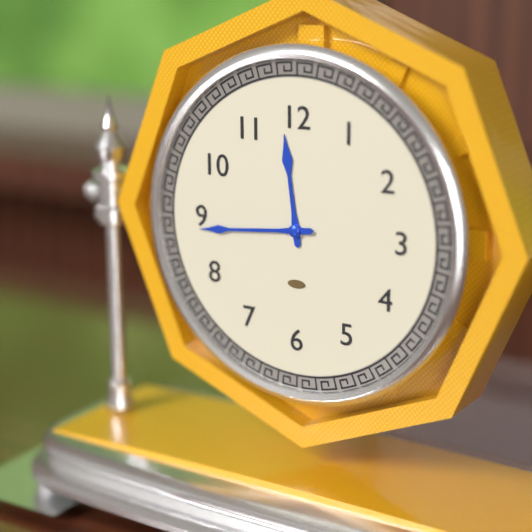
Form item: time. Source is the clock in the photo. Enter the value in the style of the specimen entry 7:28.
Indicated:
11:44
